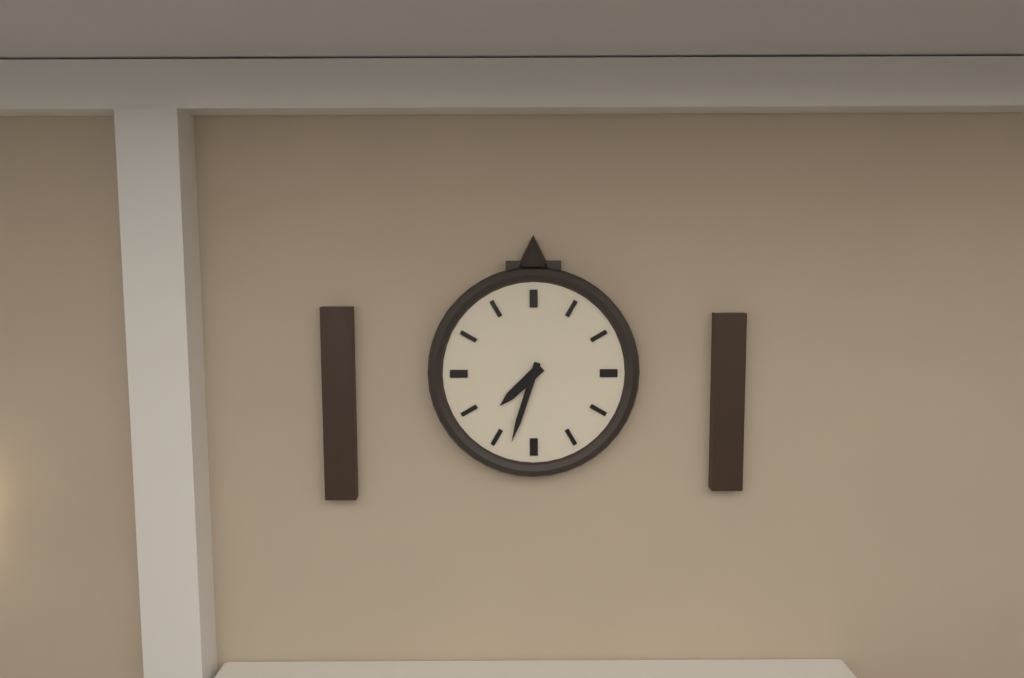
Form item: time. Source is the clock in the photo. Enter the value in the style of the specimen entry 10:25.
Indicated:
7:33
